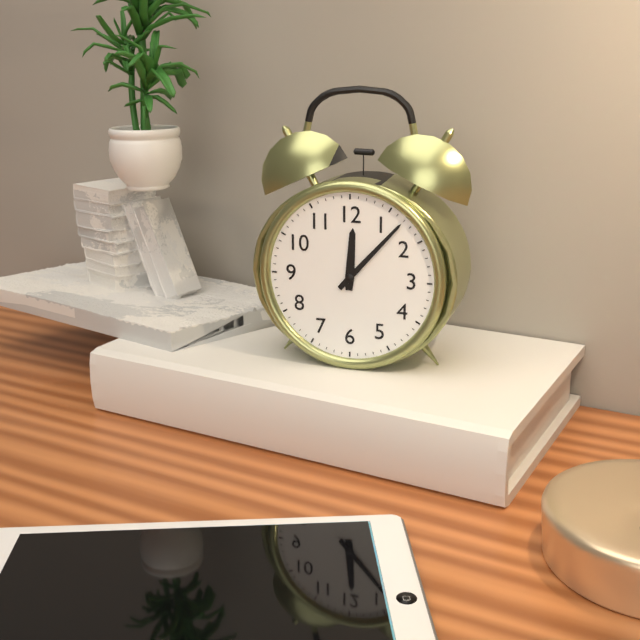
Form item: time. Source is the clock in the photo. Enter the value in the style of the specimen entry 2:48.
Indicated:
12:07
